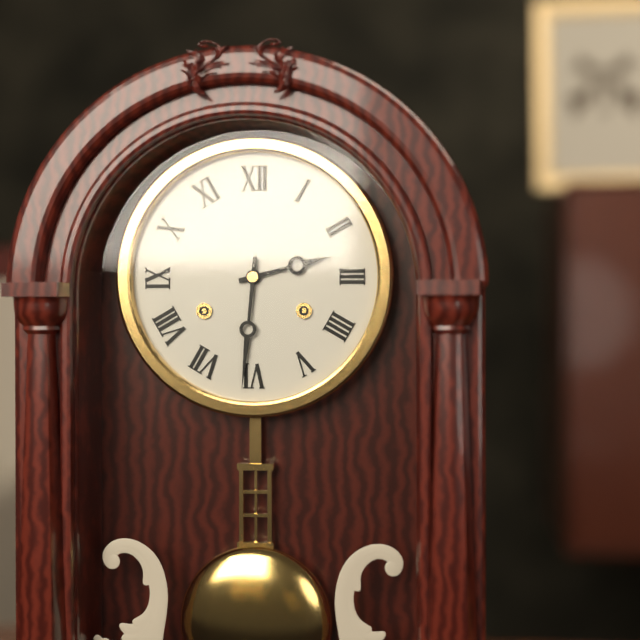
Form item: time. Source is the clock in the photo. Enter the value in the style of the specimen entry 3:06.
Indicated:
2:31
